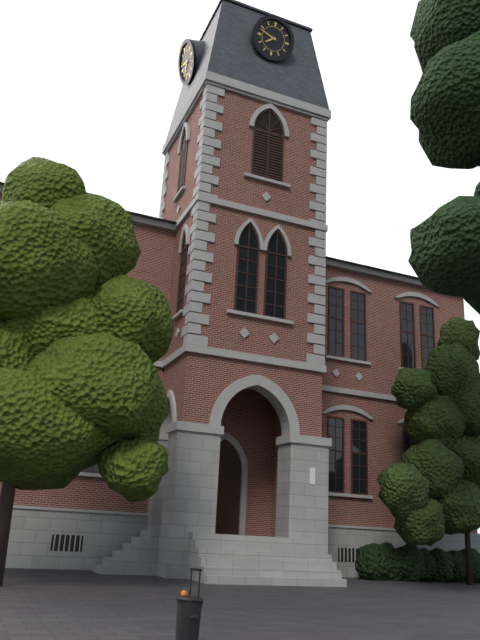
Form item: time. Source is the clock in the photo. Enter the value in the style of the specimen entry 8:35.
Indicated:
7:48
